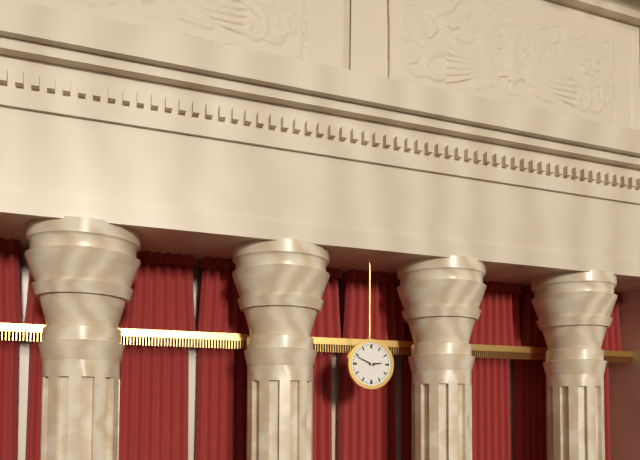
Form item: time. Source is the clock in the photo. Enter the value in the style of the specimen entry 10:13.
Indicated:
2:49
